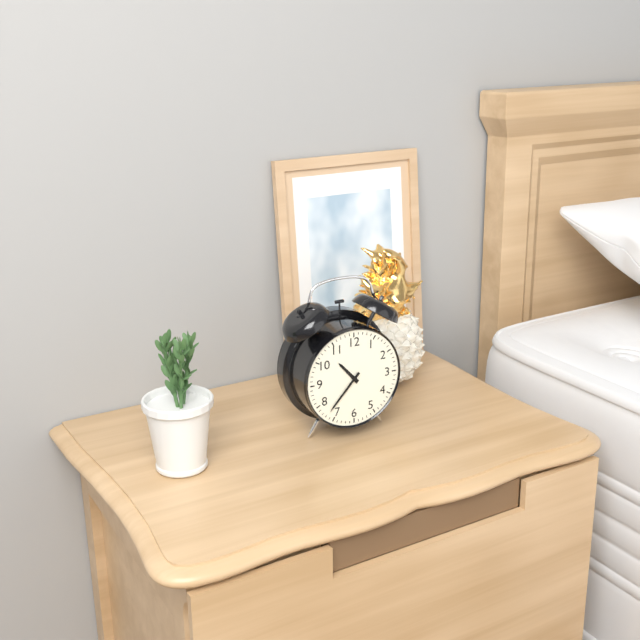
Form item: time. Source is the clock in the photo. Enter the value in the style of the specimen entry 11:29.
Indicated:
10:37
